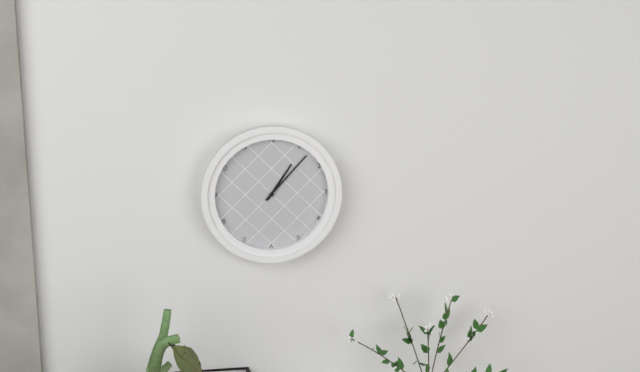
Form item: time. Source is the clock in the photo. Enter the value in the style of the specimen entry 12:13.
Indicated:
1:07
